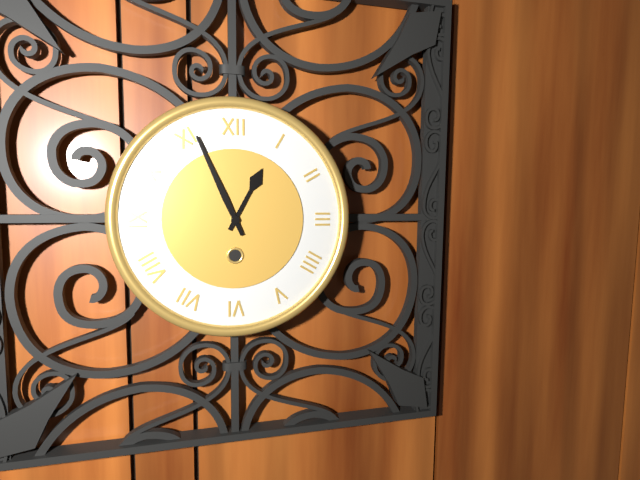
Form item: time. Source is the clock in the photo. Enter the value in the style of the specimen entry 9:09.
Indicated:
12:56
